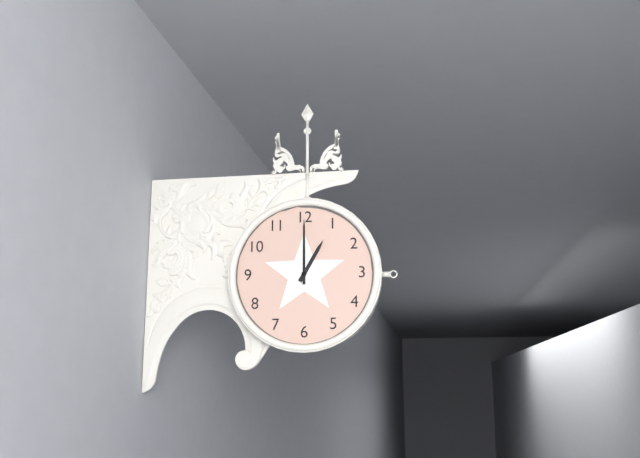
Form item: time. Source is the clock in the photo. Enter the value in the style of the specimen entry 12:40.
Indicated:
1:00
